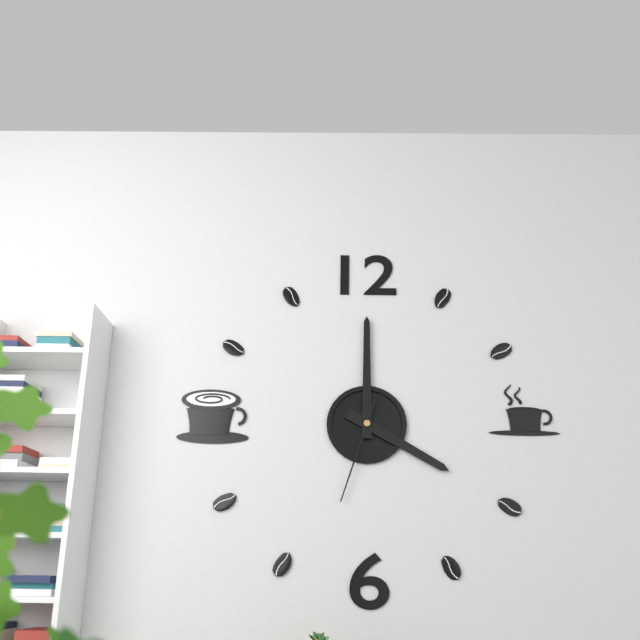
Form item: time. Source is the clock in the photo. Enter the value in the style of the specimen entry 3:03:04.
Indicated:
4:00:33
